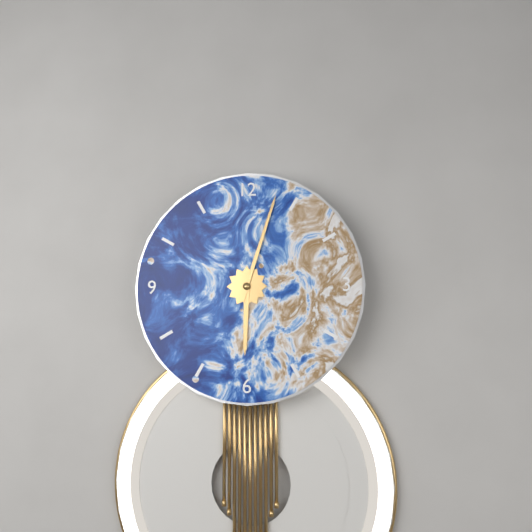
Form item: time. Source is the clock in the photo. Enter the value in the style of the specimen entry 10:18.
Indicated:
6:03
